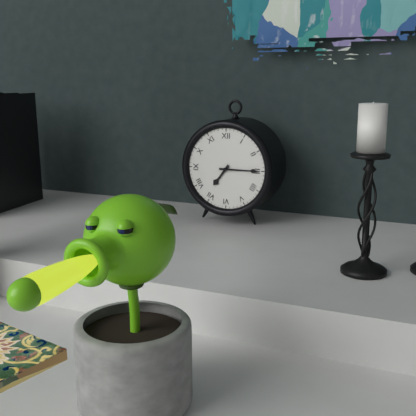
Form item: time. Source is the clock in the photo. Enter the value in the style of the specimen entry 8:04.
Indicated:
7:15
